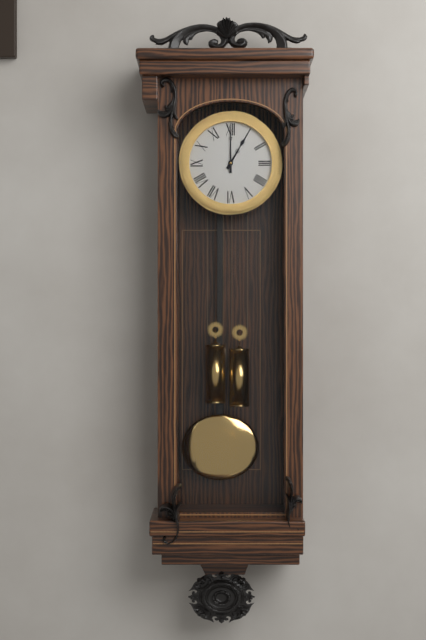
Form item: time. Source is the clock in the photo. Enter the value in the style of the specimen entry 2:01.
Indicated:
1:00
